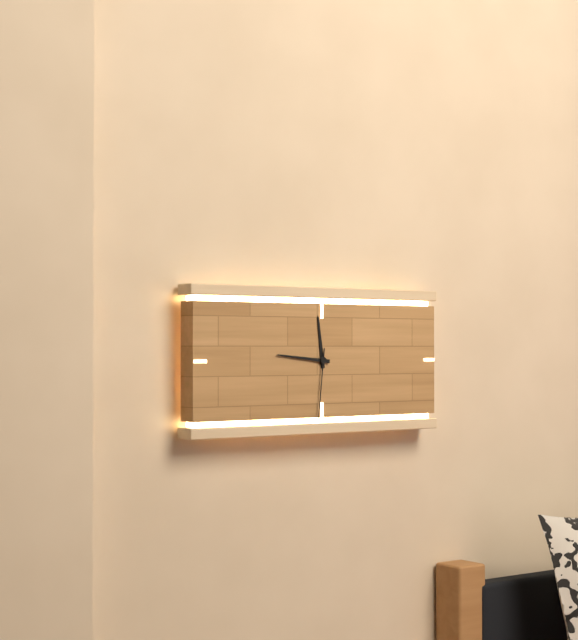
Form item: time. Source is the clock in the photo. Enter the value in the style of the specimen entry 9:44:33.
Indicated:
11:46:31
